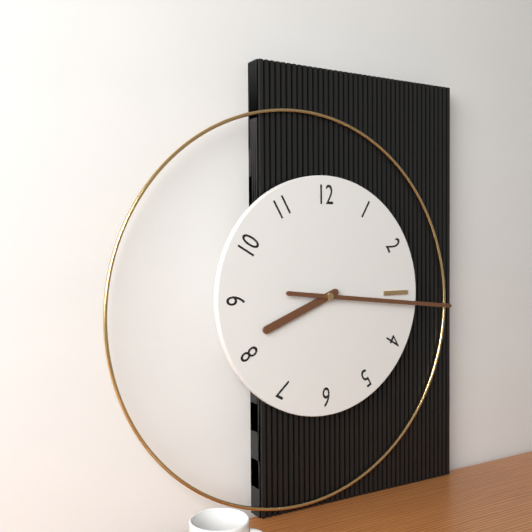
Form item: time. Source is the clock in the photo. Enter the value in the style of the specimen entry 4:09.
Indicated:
8:16
